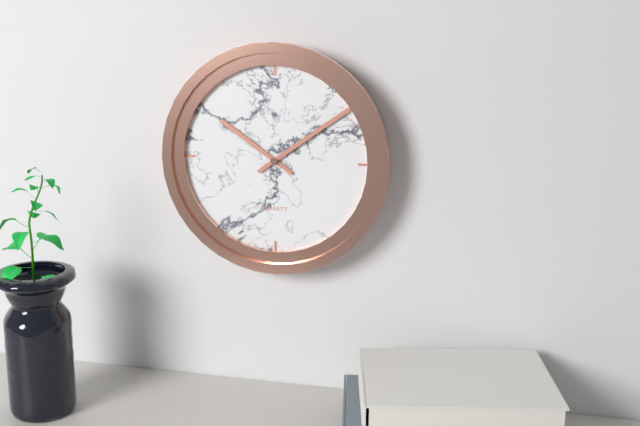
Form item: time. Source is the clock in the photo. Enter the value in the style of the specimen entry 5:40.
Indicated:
10:09
